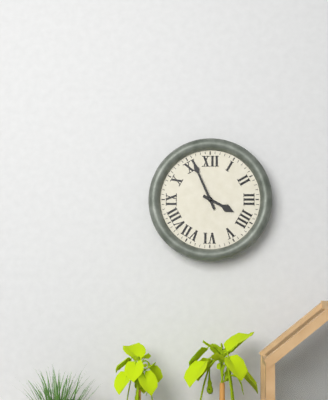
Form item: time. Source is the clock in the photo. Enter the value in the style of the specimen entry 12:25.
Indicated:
3:56
